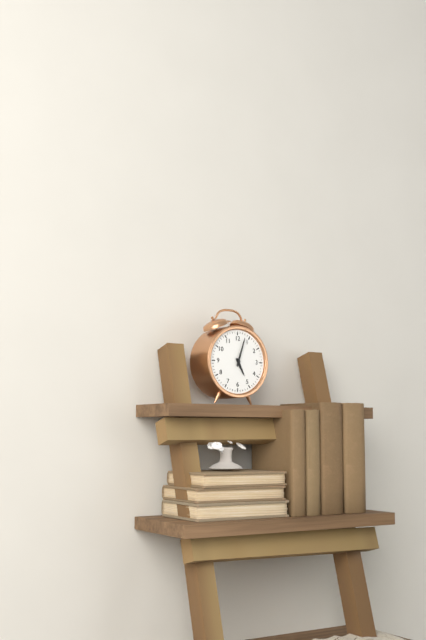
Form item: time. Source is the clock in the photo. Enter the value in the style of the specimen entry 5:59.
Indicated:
5:03
